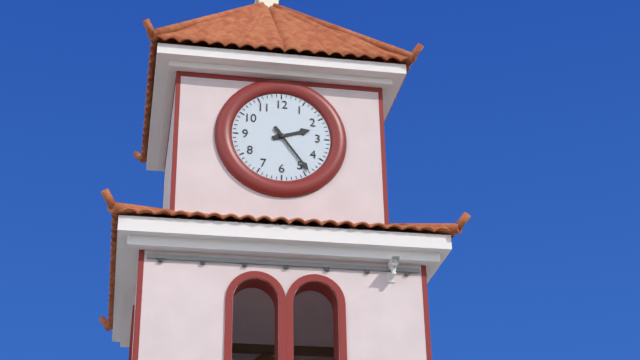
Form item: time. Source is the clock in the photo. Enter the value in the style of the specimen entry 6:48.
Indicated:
2:24
